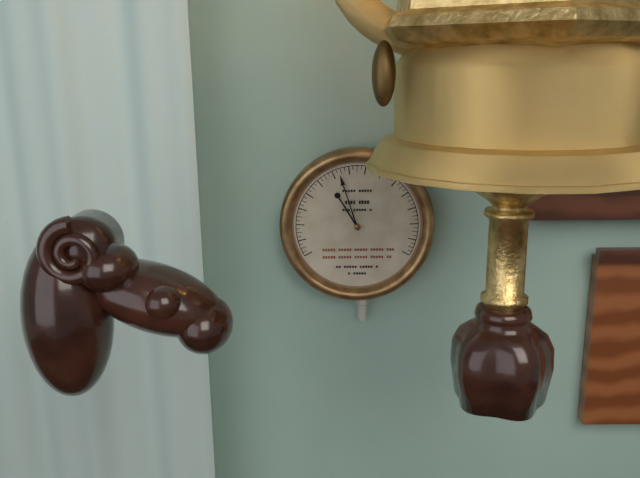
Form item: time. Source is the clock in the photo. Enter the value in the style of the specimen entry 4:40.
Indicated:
10:57
